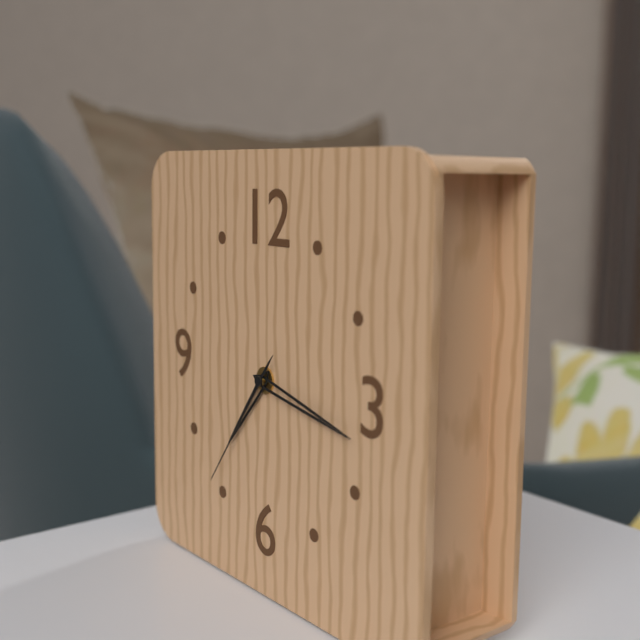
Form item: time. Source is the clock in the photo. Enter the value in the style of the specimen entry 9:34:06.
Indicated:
7:17:36
